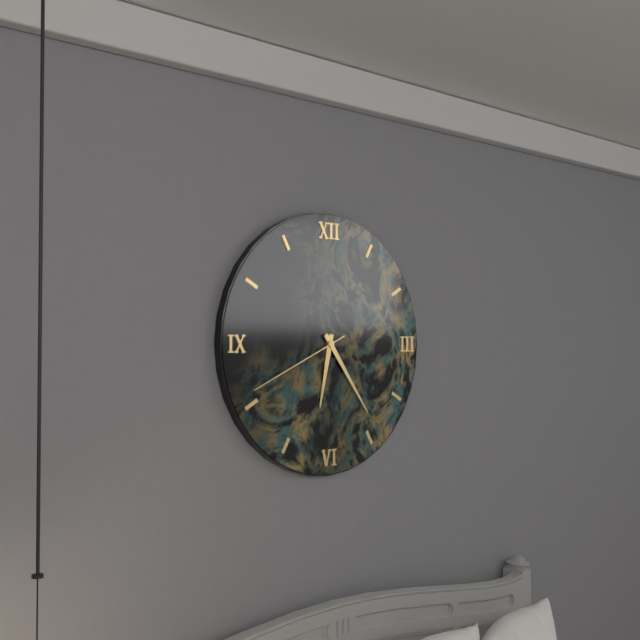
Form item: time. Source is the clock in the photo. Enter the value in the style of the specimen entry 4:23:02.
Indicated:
6:24:41
